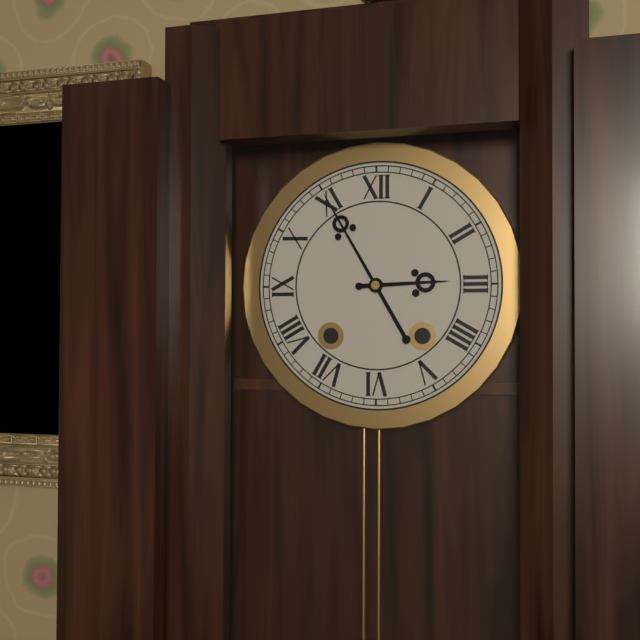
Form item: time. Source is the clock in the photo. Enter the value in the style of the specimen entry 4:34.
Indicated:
2:55
